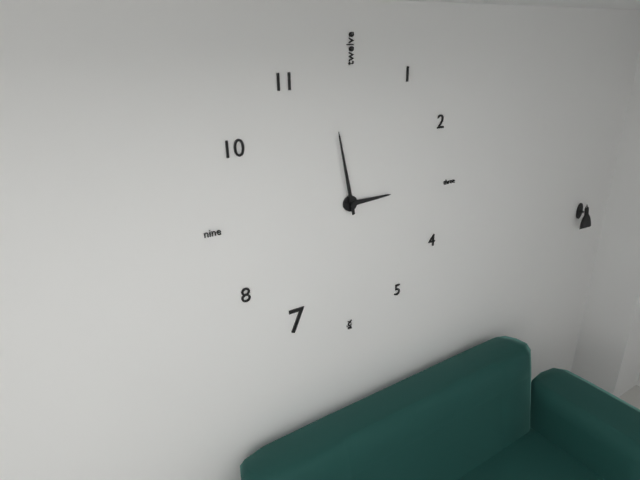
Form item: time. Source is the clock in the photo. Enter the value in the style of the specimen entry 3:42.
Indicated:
2:58
